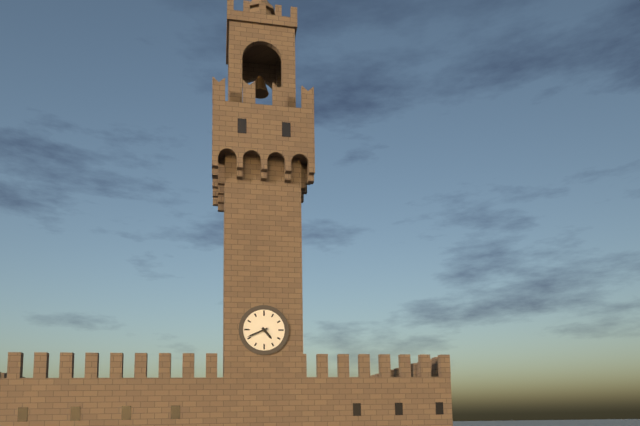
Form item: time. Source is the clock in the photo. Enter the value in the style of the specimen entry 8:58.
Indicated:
4:41
